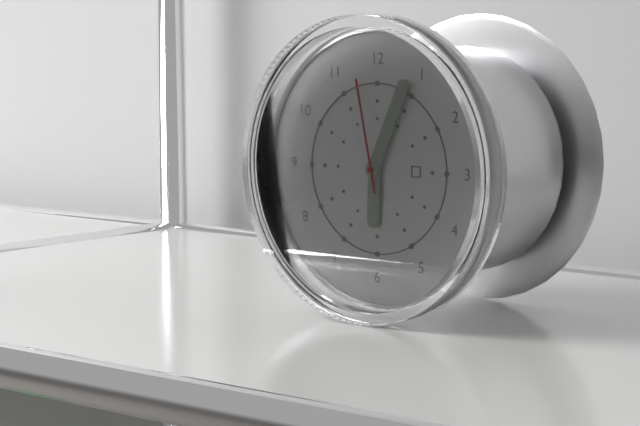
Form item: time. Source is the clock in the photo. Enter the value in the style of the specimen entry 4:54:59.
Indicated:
6:04:58
